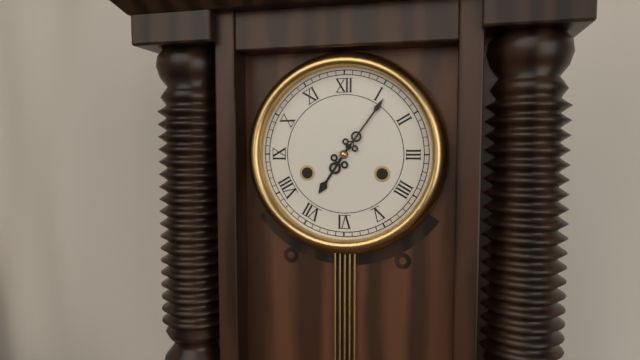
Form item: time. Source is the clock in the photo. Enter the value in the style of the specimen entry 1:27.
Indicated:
7:06
